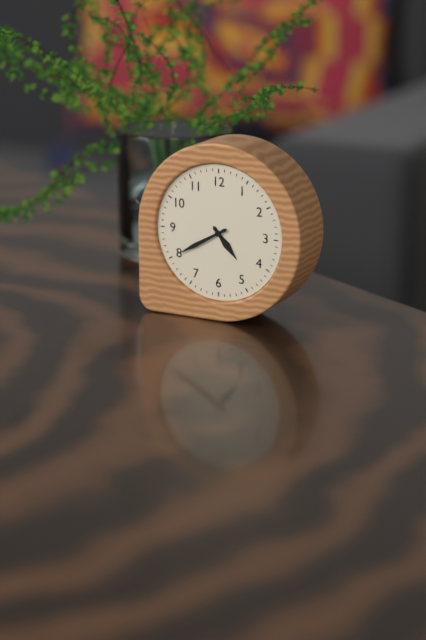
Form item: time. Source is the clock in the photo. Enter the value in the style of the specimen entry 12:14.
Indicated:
4:40
